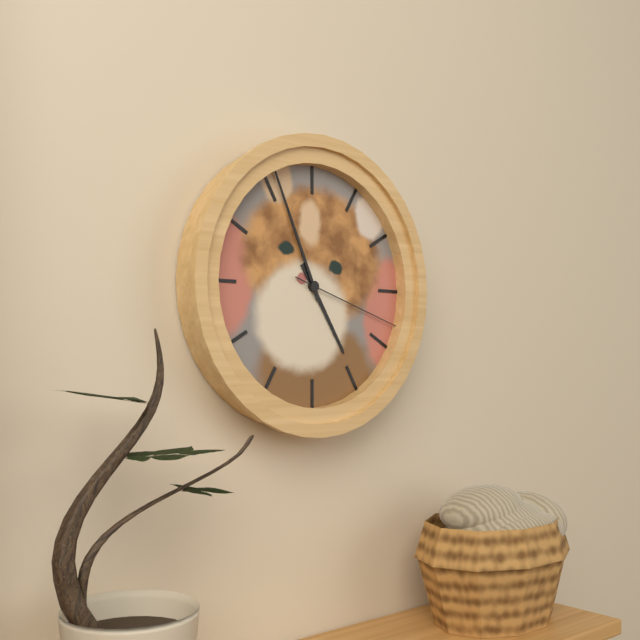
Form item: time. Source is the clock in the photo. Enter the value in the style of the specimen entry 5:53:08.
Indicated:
4:56:18
